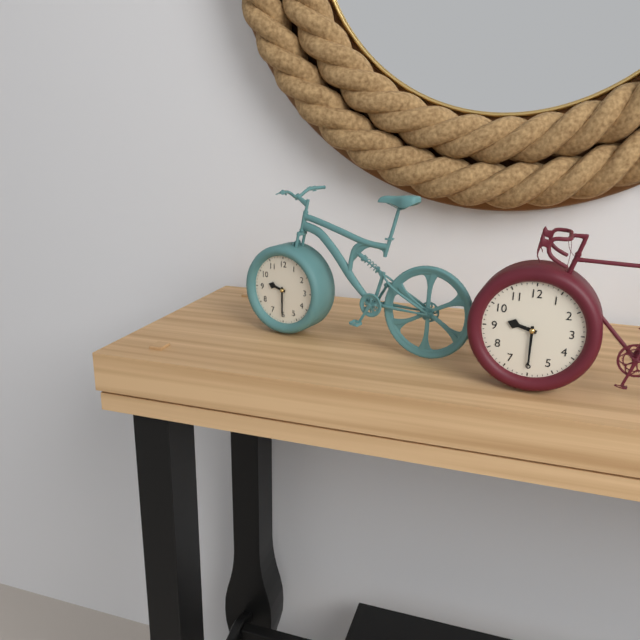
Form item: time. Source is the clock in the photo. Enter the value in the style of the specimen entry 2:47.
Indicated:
9:30
